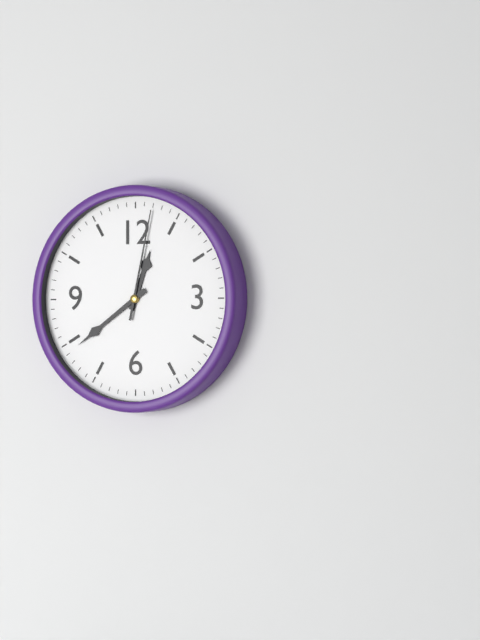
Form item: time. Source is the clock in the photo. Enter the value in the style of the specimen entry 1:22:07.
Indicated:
12:39:02
